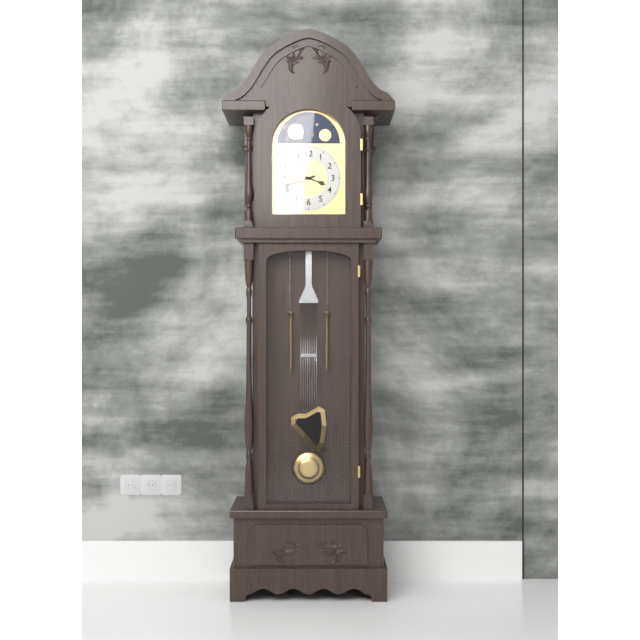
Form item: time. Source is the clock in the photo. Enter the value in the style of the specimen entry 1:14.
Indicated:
3:42
